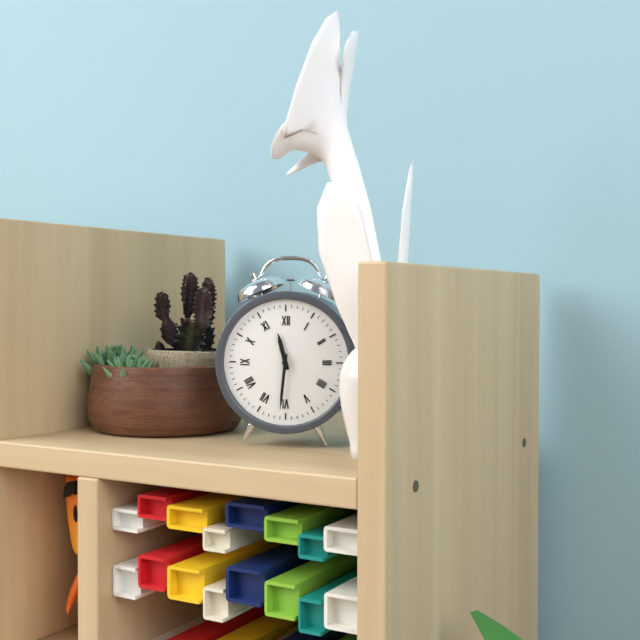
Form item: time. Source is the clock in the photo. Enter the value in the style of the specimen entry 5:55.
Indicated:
11:31
